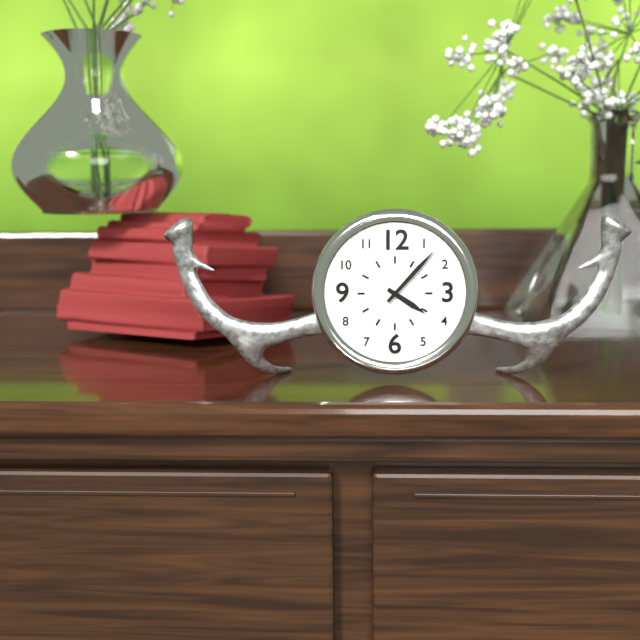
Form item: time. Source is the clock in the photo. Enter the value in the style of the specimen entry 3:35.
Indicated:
4:07
